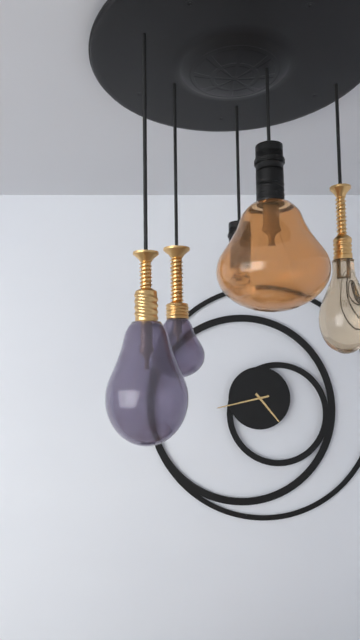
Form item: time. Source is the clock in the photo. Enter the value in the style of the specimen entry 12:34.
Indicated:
4:43
